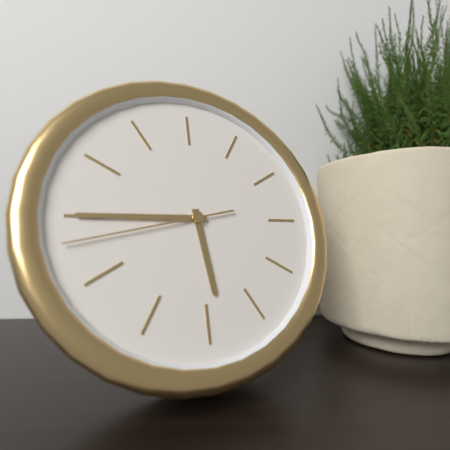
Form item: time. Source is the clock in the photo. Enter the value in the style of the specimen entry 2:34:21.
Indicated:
5:45:43
